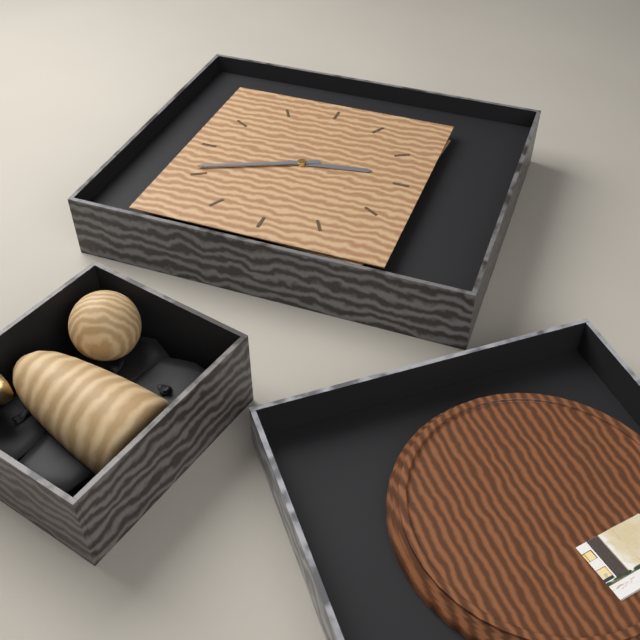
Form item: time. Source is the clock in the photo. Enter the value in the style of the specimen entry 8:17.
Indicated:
2:41
